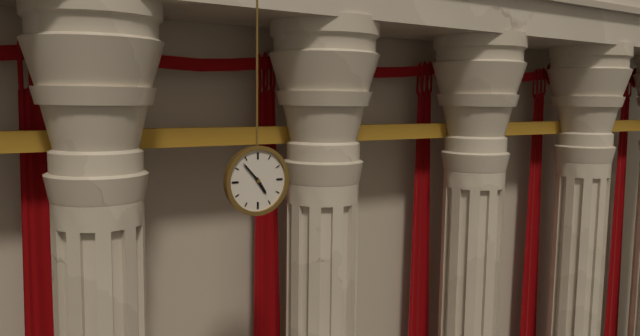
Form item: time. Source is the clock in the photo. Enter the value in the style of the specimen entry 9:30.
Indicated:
4:53
